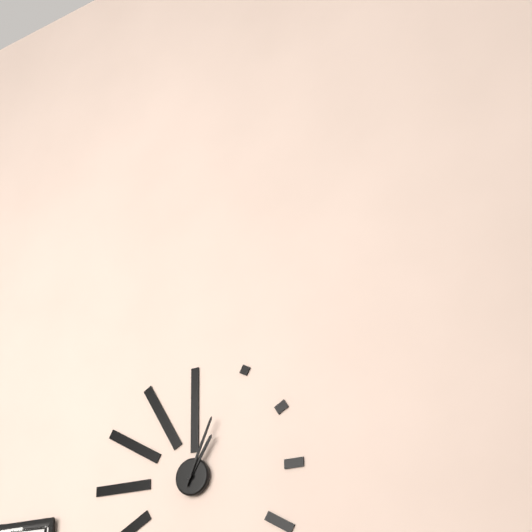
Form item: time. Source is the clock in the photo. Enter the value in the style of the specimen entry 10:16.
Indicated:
1:04
